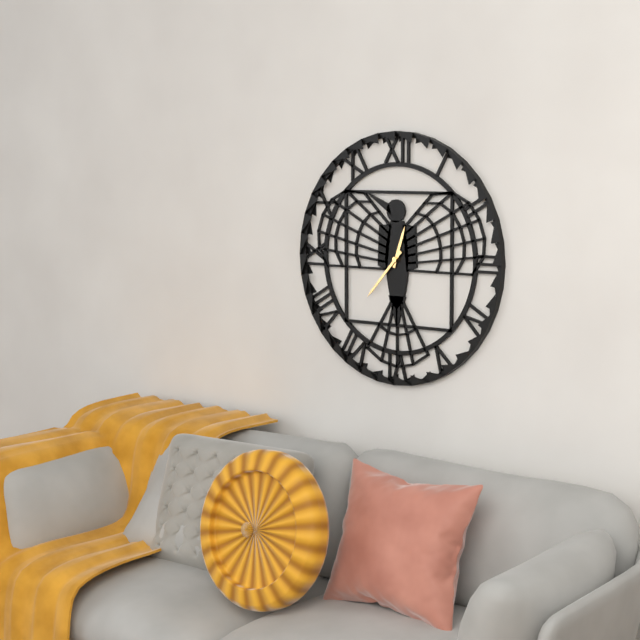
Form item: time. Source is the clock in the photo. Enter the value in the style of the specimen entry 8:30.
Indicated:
12:37
